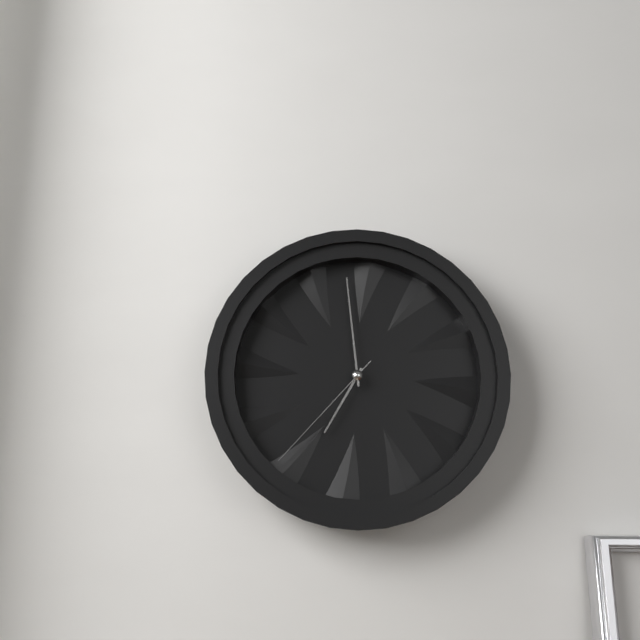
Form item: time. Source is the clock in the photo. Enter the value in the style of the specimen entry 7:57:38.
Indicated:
6:59:37
